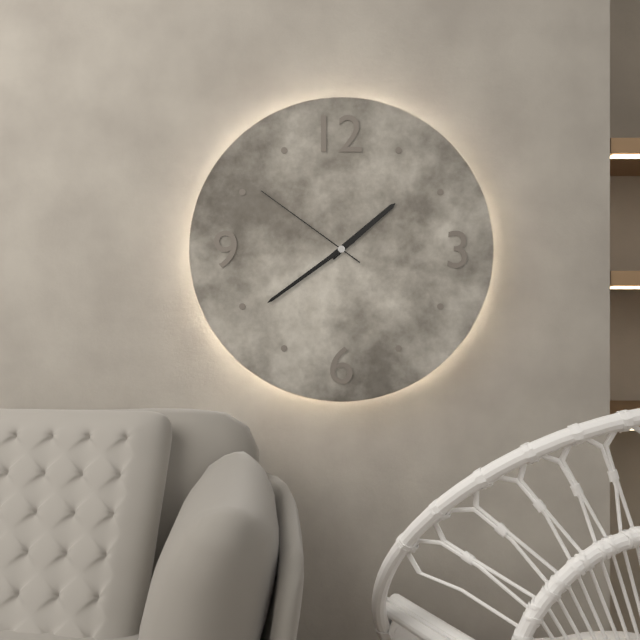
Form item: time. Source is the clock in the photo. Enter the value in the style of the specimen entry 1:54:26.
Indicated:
1:39:51
